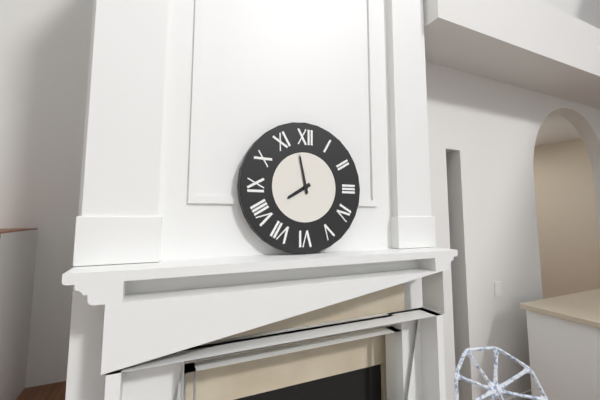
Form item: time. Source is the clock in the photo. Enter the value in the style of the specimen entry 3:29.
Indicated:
7:58
